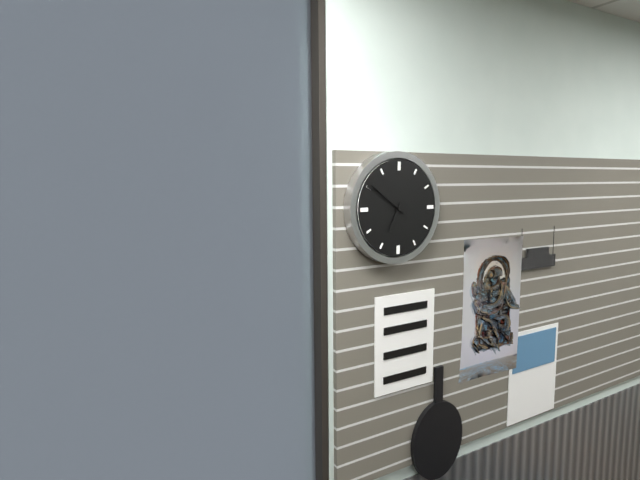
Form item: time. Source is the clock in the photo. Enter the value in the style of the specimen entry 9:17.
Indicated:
6:51
